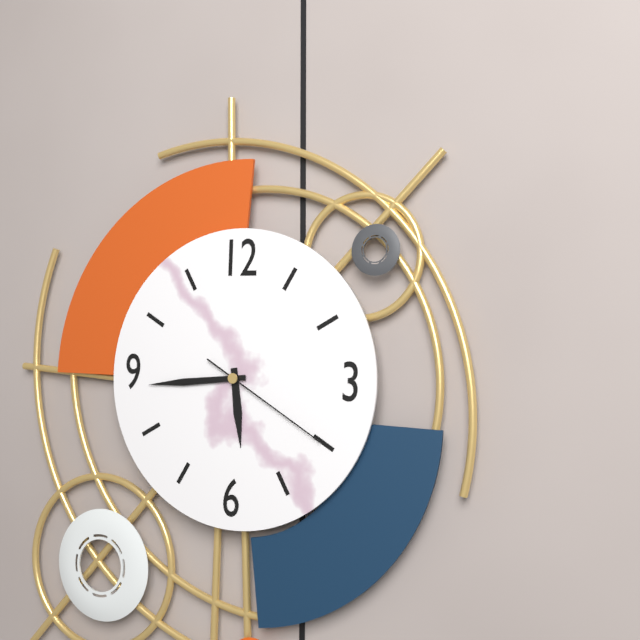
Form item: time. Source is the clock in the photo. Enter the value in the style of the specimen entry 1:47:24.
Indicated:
5:44:20
